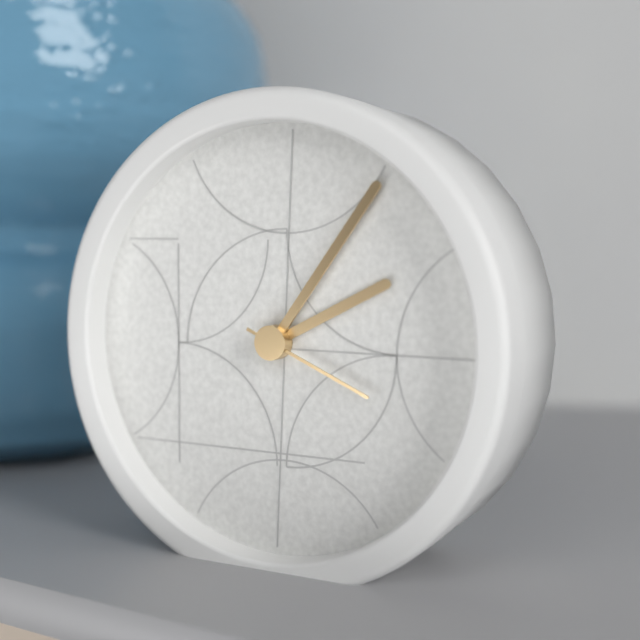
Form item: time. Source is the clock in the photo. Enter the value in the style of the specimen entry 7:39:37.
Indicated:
2:06:19
